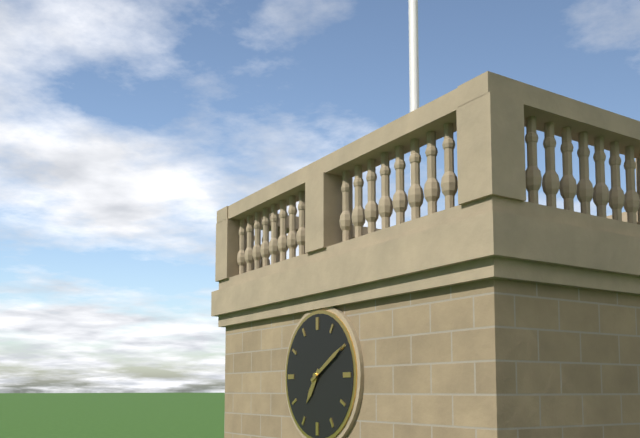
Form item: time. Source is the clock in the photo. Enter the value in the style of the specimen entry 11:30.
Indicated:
7:10
